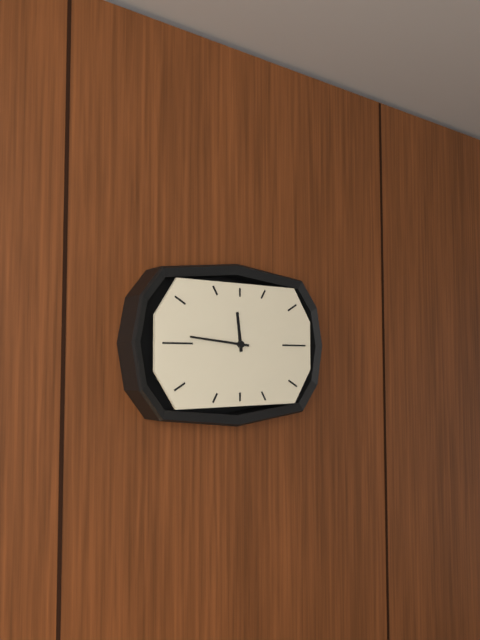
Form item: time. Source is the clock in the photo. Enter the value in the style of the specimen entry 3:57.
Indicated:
11:46
